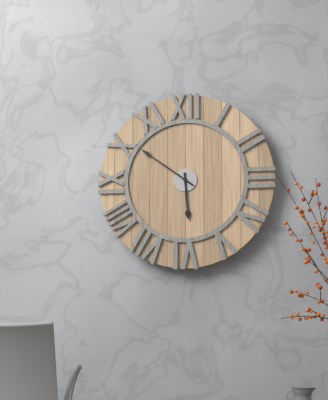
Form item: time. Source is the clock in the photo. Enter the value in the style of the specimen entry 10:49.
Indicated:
5:51
